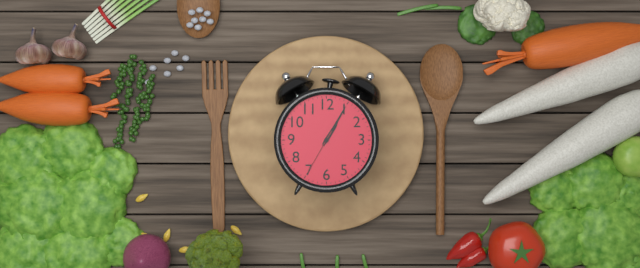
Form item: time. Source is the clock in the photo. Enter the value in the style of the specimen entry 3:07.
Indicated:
1:05
